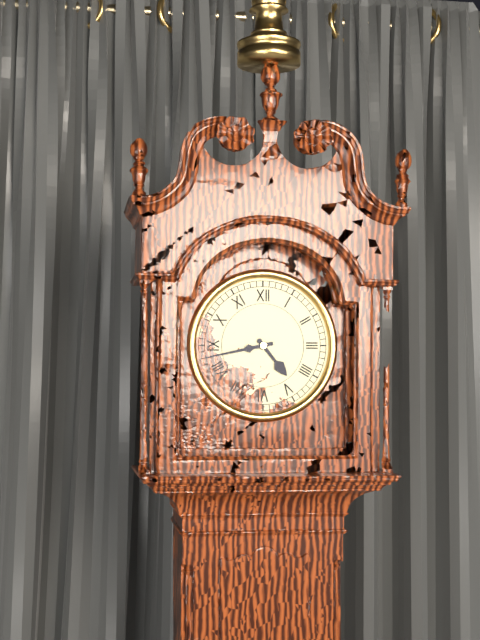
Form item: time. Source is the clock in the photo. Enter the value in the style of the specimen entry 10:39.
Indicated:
4:43
